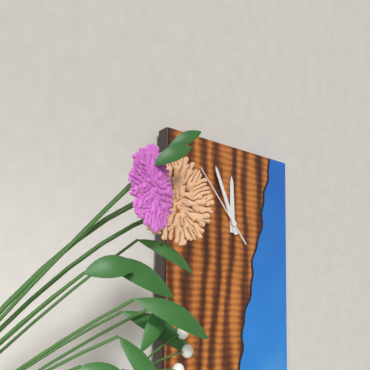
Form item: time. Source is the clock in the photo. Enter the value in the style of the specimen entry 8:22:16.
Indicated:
11:56:53
